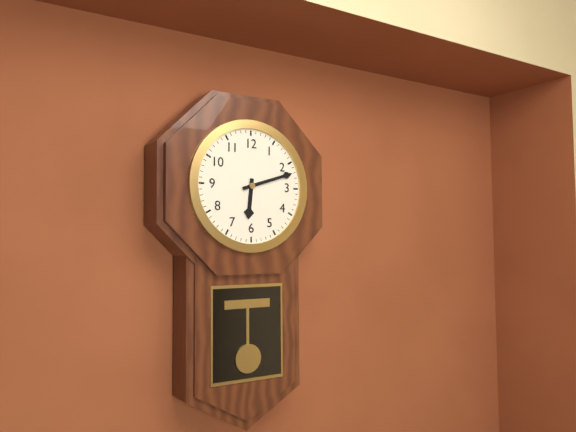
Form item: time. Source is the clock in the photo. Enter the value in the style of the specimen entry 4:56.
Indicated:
6:12
